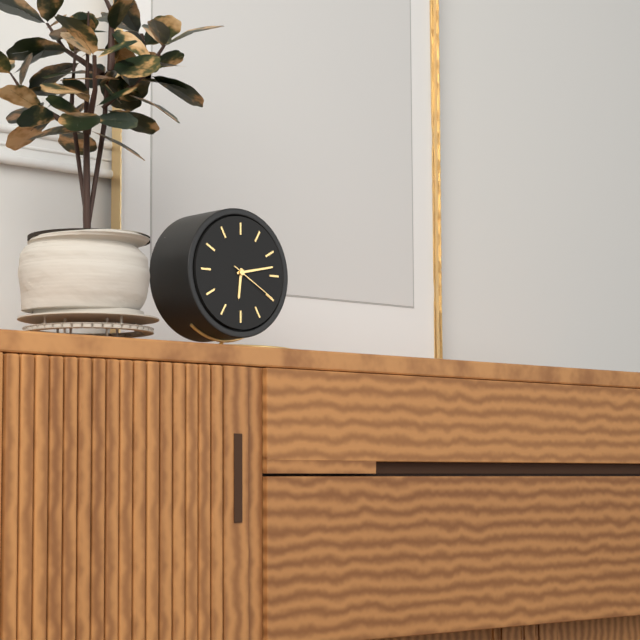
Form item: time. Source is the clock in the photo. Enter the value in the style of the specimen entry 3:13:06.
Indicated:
6:13:20
